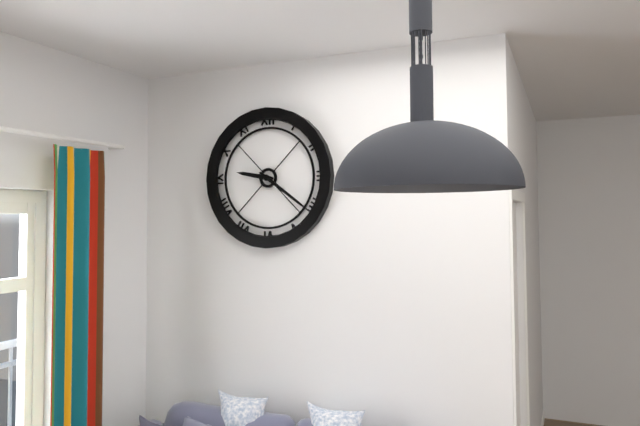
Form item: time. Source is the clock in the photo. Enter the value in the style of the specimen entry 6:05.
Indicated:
9:21
